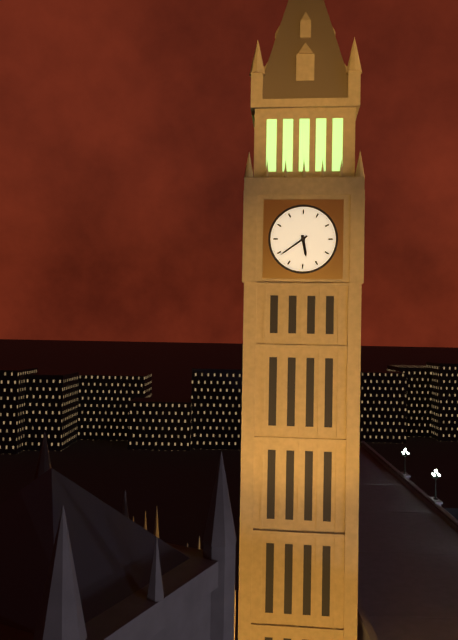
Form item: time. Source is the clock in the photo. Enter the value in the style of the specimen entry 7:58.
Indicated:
5:39
